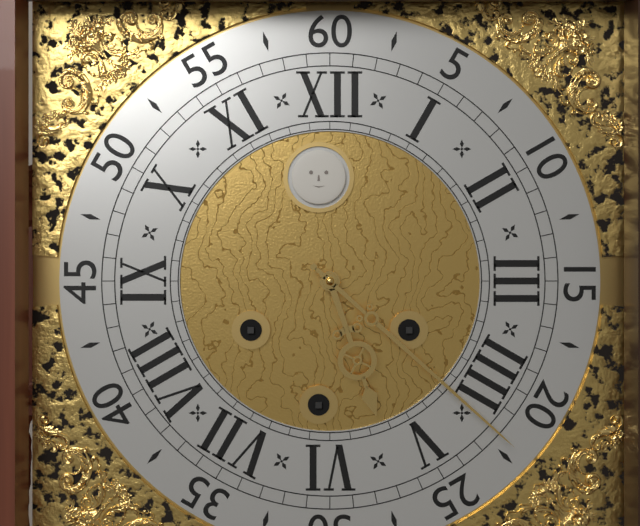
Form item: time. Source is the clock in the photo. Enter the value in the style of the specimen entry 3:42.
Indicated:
5:22
